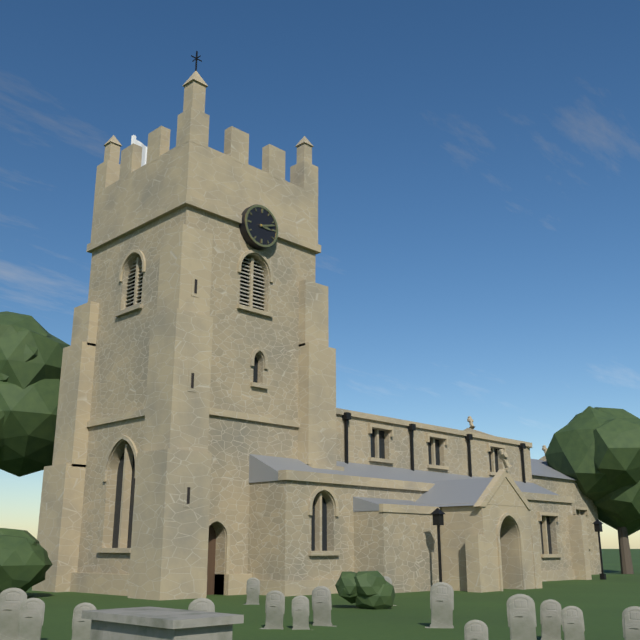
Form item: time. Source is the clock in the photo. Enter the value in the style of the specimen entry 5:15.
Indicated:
3:12
